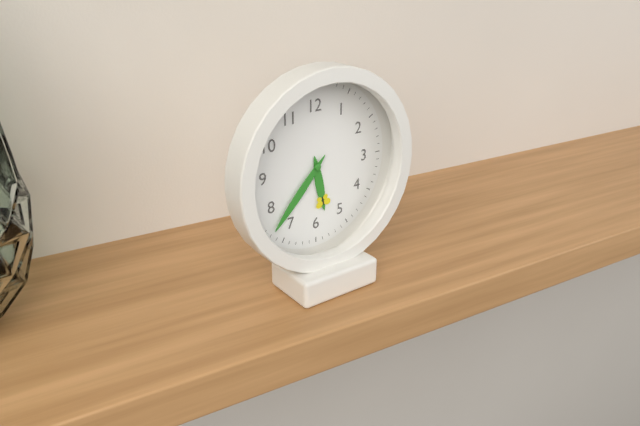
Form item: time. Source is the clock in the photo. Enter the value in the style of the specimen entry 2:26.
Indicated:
5:37
